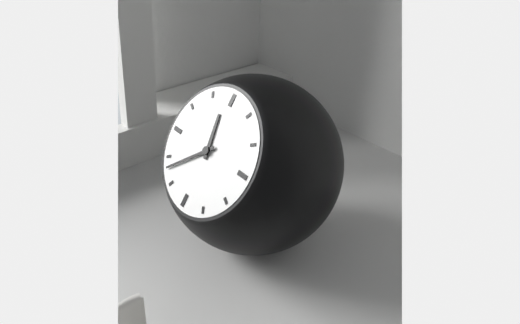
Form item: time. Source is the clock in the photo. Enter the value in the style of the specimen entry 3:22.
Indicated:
11:38
